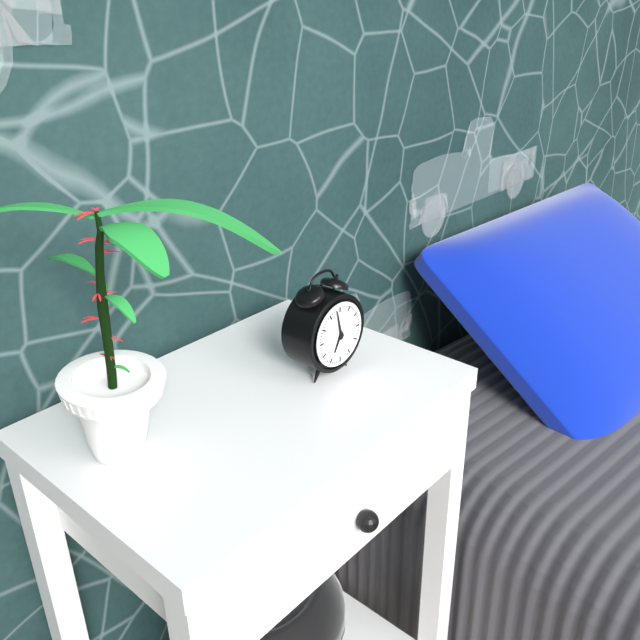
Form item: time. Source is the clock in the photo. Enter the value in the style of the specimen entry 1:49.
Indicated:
6:58
